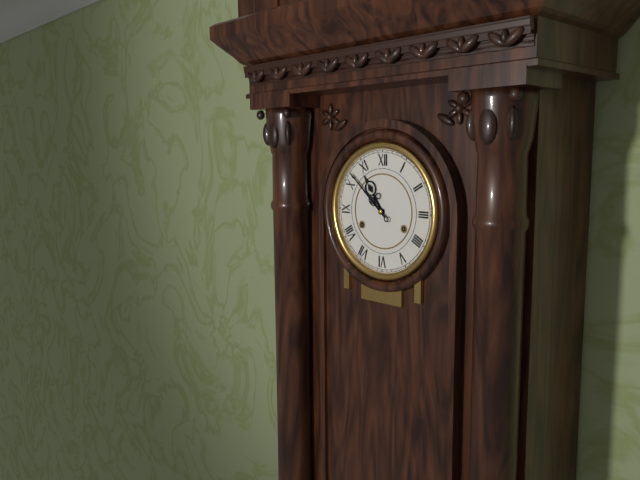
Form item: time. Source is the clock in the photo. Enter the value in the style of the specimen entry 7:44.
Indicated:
10:52
